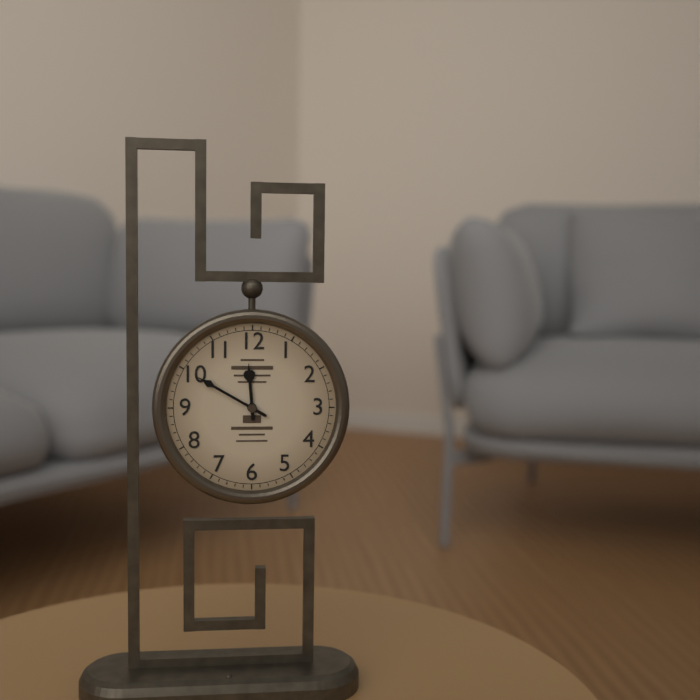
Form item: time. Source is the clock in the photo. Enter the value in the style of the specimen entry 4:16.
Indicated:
11:50
